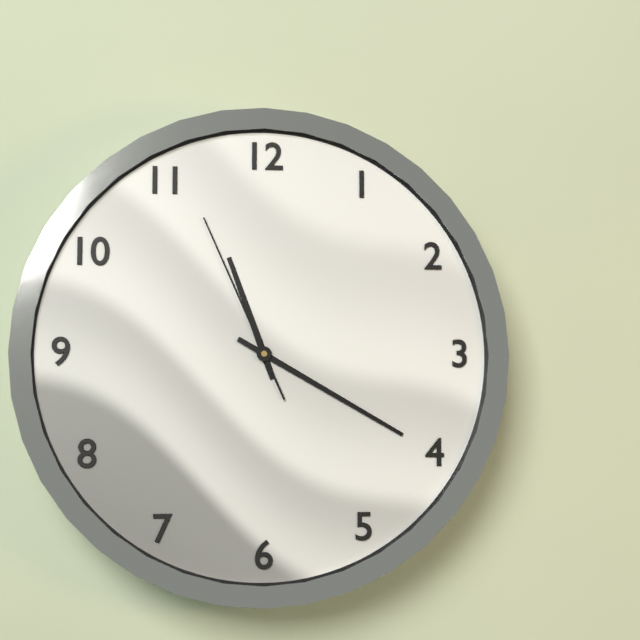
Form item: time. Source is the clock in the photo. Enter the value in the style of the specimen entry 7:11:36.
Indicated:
11:20:56
